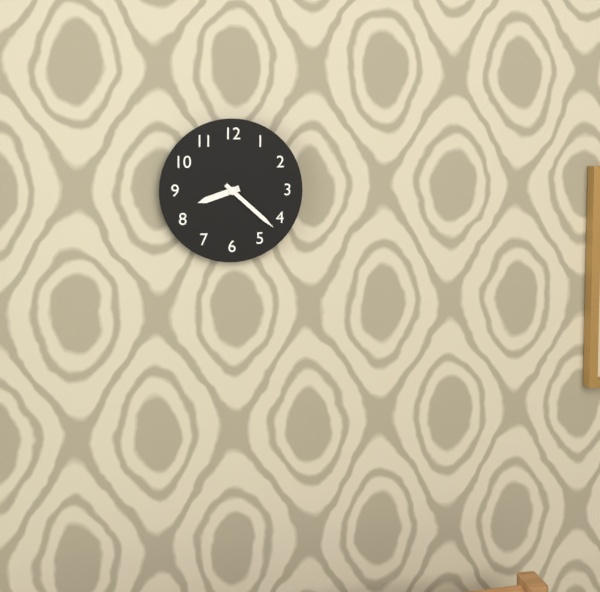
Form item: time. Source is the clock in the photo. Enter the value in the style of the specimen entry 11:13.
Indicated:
8:22
